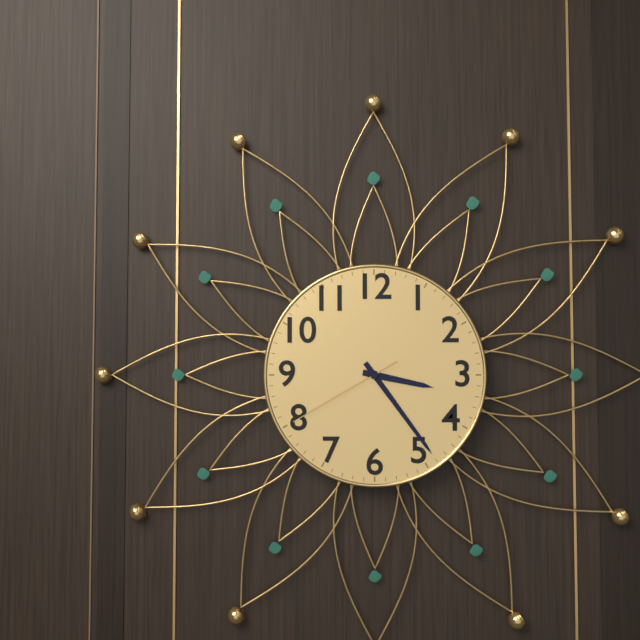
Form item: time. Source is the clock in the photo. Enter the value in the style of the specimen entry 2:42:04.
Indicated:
3:24:40
